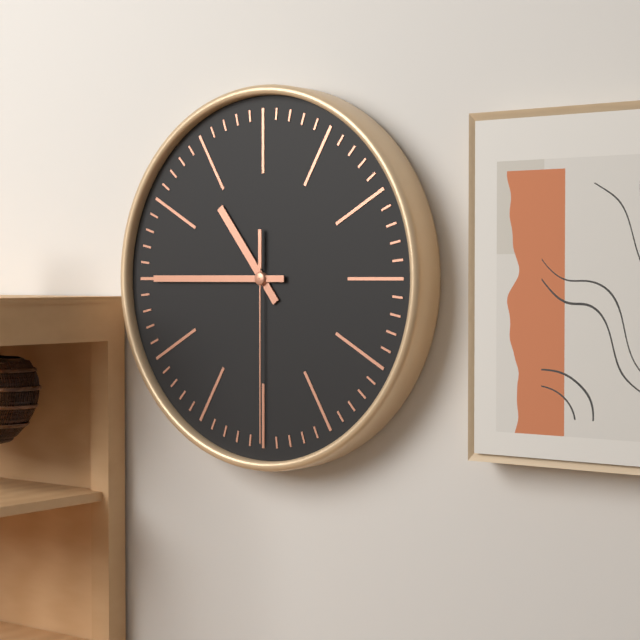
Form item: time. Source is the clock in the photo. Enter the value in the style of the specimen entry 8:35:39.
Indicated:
10:45:30
